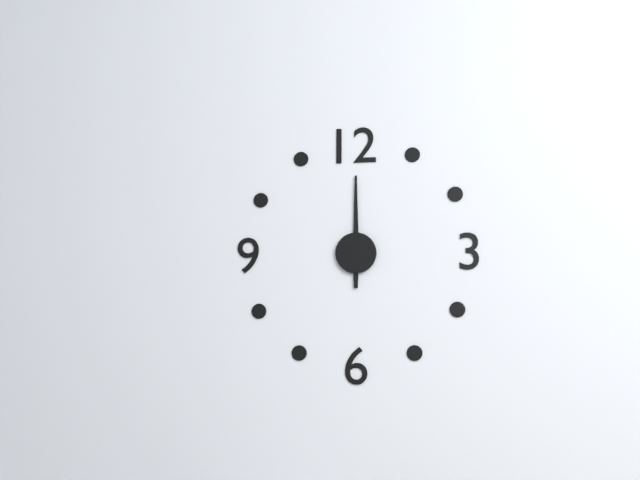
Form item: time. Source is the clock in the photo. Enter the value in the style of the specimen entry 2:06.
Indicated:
12:00
